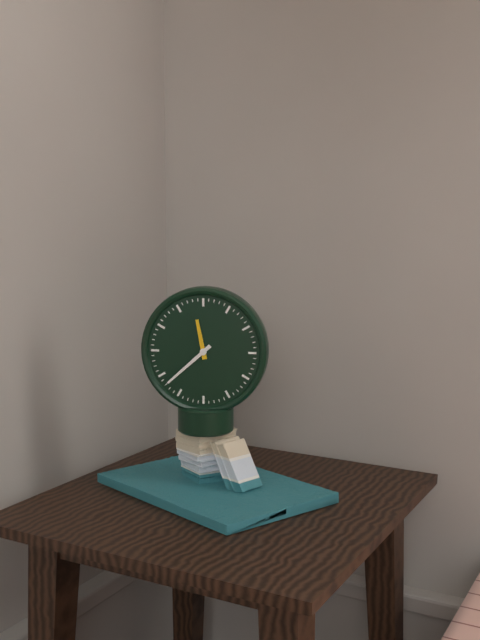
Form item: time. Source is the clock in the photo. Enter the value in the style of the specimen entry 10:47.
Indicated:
11:38
